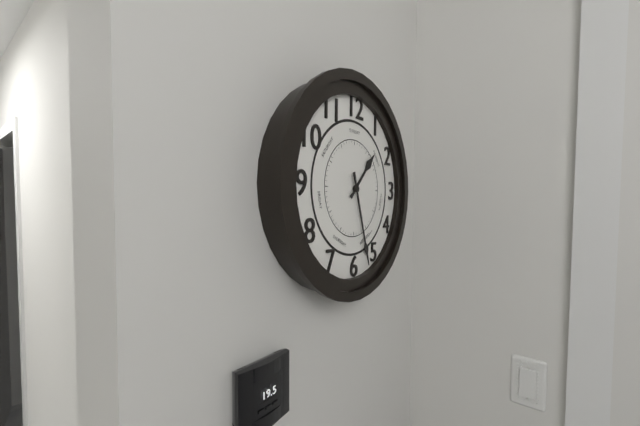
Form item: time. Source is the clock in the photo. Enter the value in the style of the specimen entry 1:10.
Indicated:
1:27
